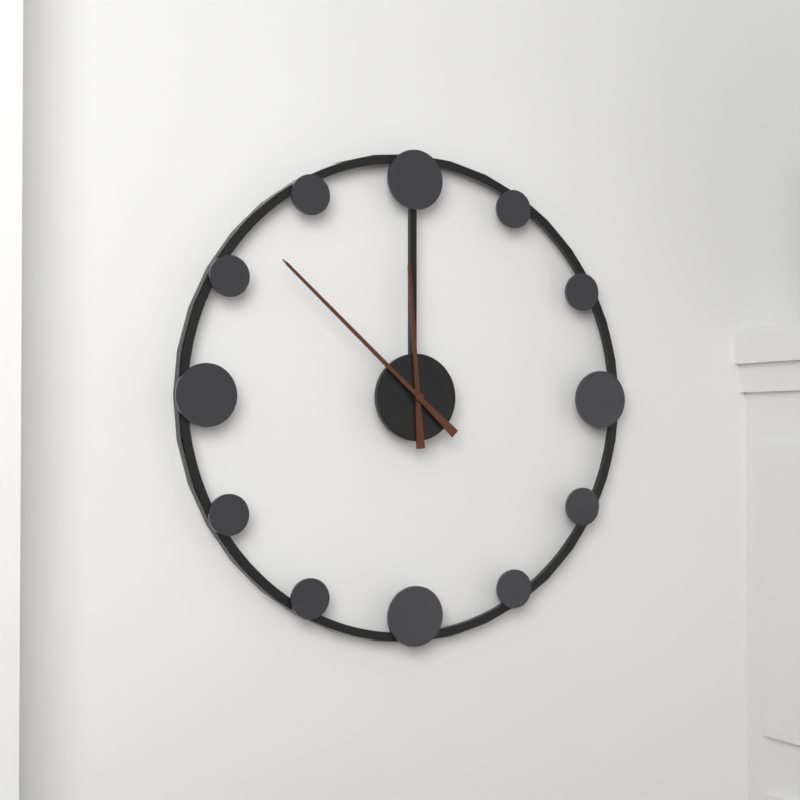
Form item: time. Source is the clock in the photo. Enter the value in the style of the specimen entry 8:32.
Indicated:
11:52
